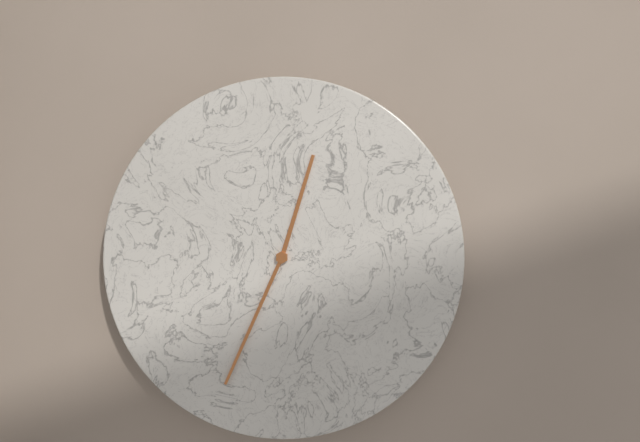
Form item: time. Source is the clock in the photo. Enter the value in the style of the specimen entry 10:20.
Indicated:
12:34
